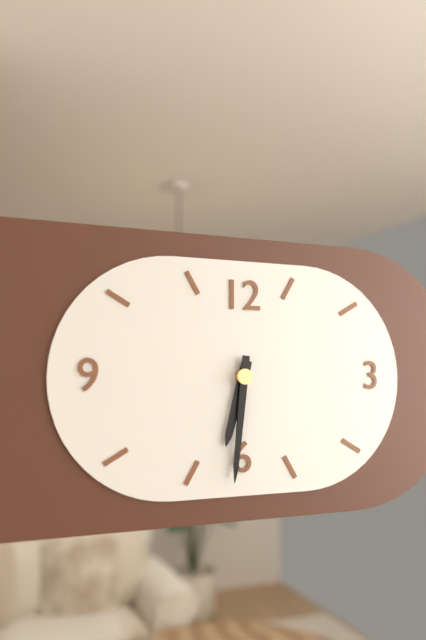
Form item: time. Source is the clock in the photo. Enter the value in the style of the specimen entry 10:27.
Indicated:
6:31
